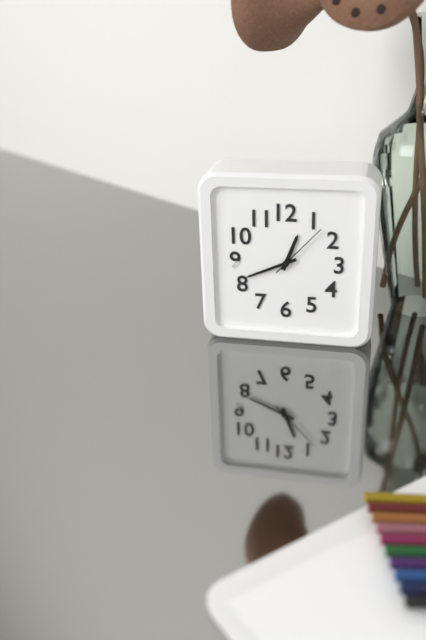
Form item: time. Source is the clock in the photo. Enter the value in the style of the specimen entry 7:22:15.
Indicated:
12:41:07
